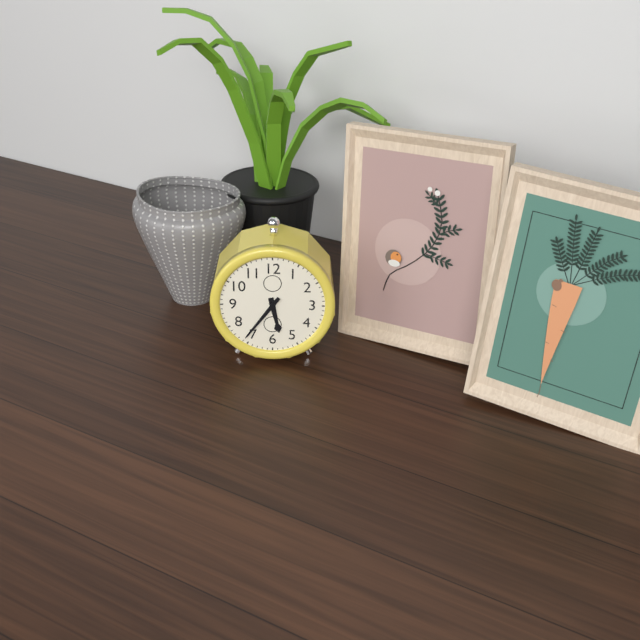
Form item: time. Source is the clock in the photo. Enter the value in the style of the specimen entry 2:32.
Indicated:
5:36
